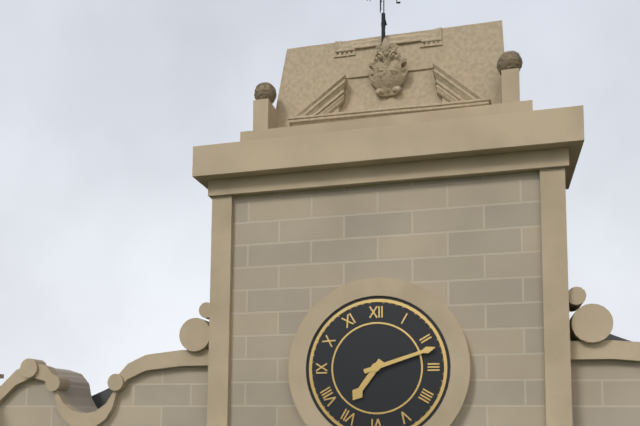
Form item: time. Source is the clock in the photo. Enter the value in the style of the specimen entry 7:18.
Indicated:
7:12
